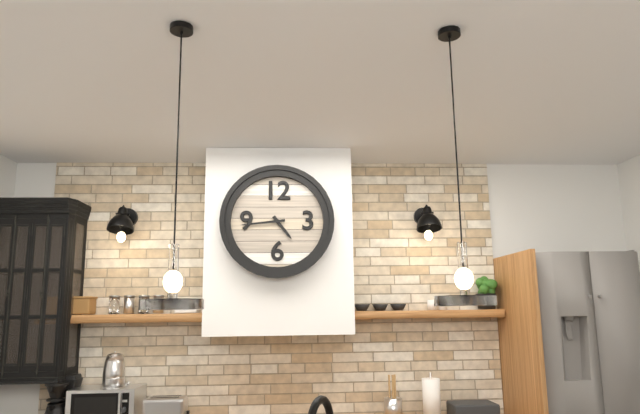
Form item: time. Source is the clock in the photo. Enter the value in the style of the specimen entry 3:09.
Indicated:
4:44
